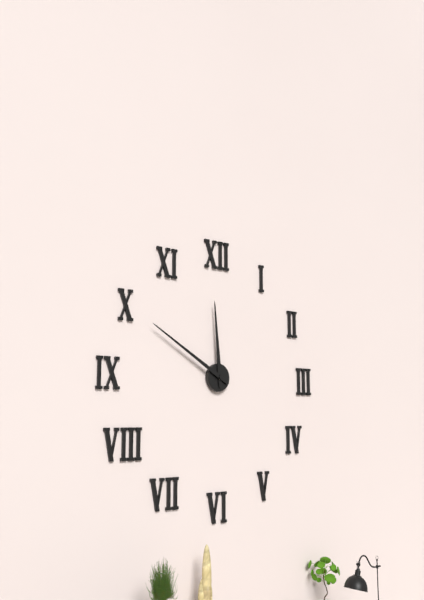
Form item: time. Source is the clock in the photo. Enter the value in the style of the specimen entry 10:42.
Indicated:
11:50
